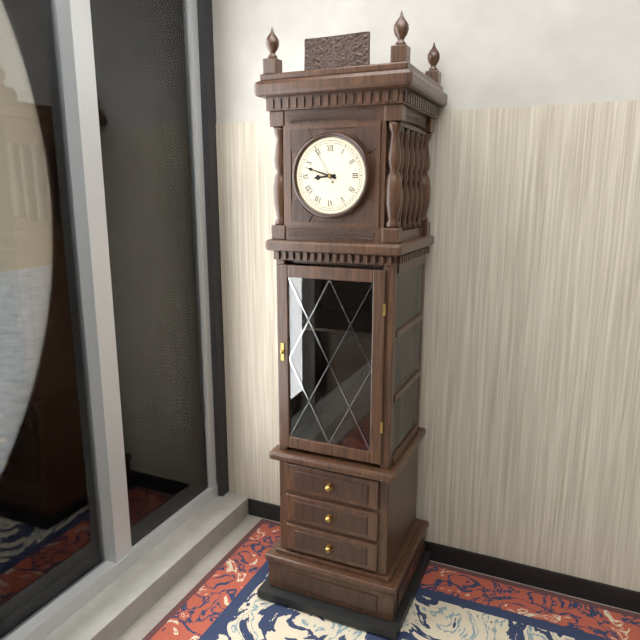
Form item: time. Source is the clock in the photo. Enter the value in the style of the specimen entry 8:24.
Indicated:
8:48
